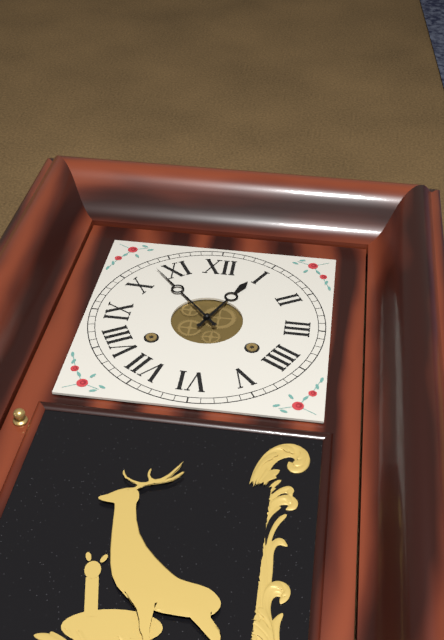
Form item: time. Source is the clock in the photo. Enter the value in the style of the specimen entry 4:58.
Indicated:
12:53
